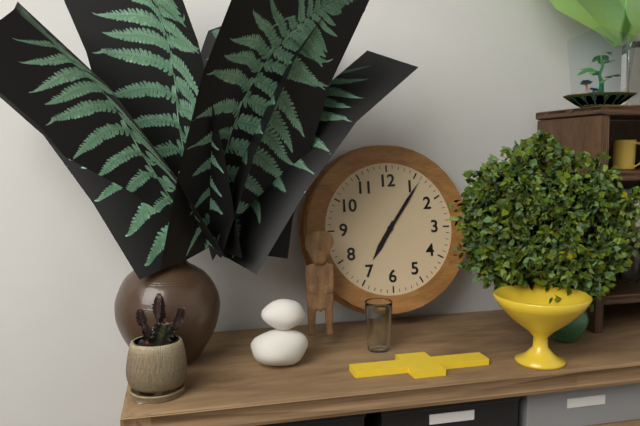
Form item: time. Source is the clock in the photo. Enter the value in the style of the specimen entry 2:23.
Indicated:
7:06
